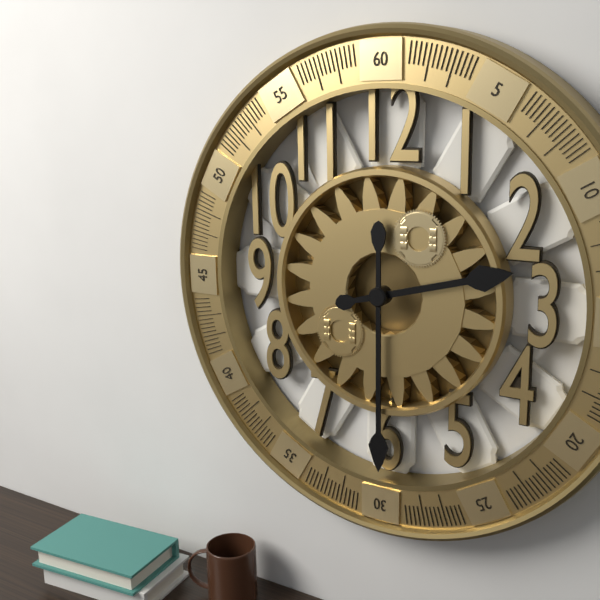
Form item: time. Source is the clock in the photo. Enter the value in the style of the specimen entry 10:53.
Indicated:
2:30
